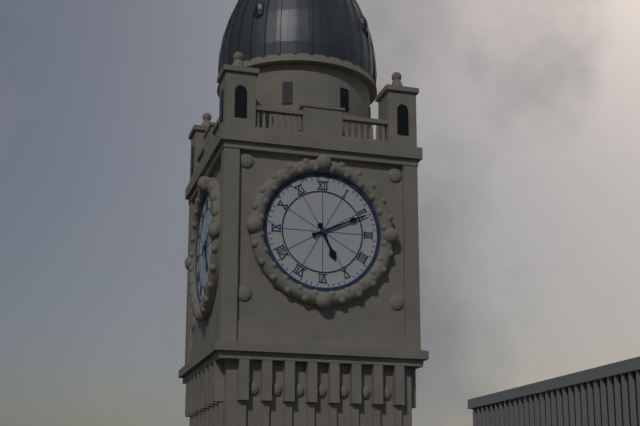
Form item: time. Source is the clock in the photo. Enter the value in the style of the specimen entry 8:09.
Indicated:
5:11
